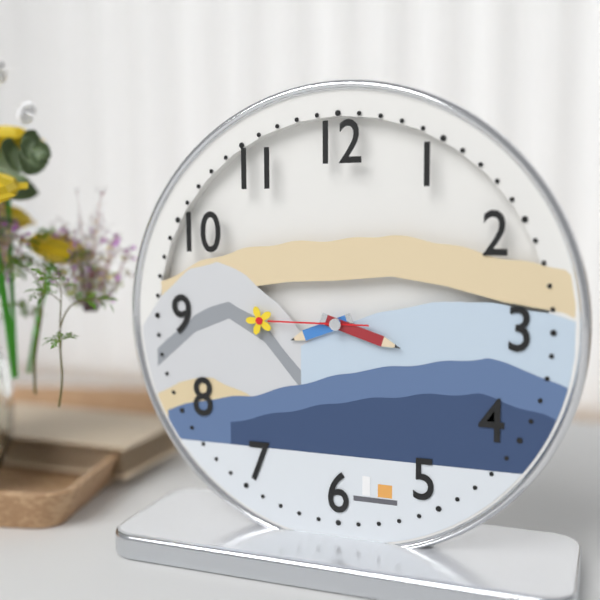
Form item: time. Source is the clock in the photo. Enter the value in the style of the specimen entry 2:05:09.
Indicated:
8:18:45
